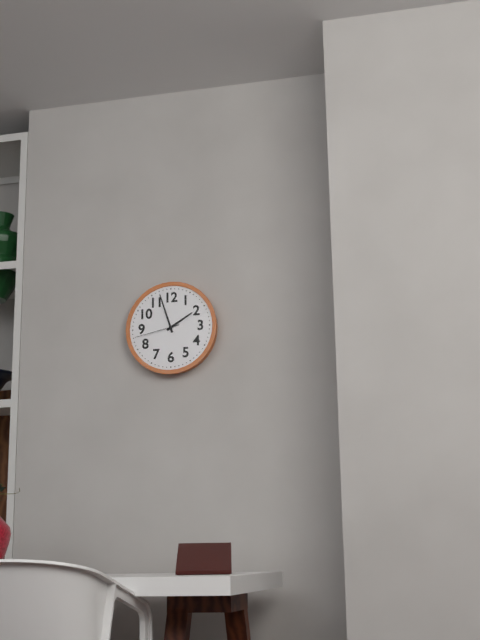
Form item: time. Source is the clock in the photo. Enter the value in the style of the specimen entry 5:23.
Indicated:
1:57
